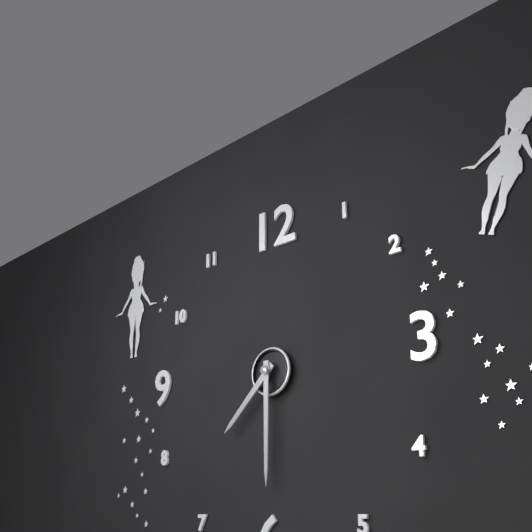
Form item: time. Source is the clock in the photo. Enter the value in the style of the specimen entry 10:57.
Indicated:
7:30
